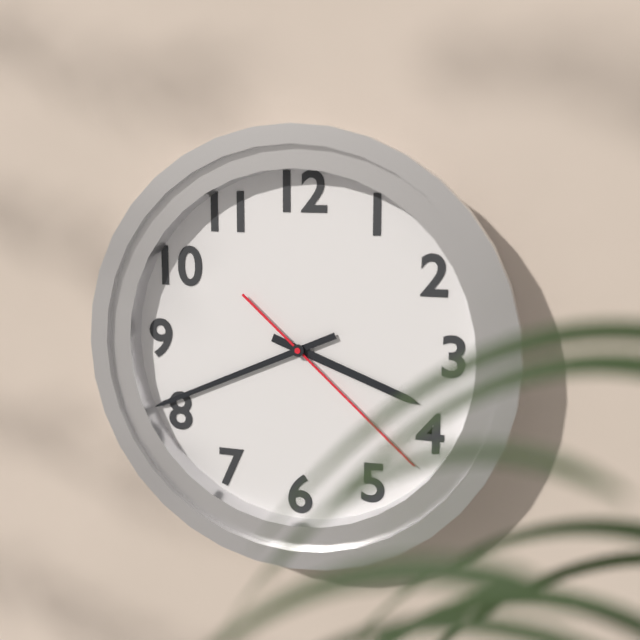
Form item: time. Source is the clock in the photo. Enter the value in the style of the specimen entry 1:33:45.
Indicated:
3:41:22
